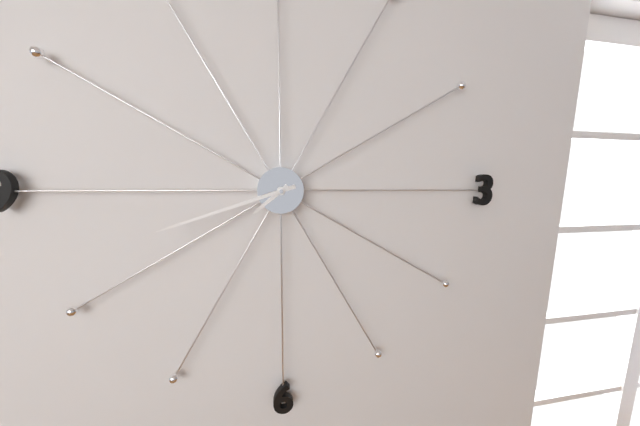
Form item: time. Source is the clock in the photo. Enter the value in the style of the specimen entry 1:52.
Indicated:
7:42
